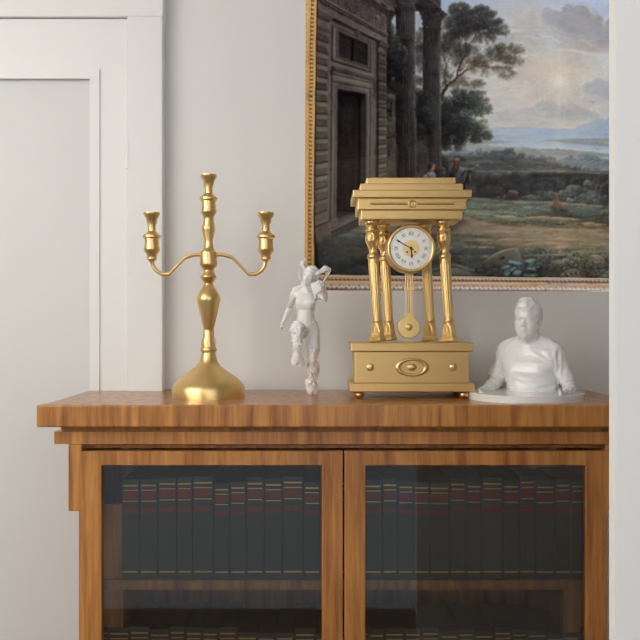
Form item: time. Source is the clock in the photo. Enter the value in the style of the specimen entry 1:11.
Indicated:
5:50
